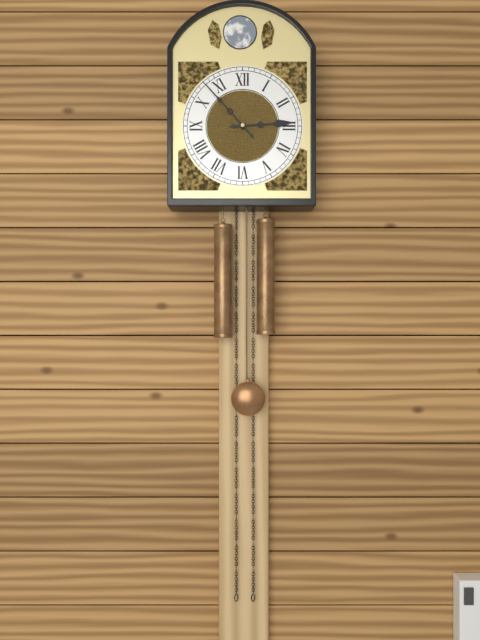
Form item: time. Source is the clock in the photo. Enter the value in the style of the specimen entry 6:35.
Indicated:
2:53
